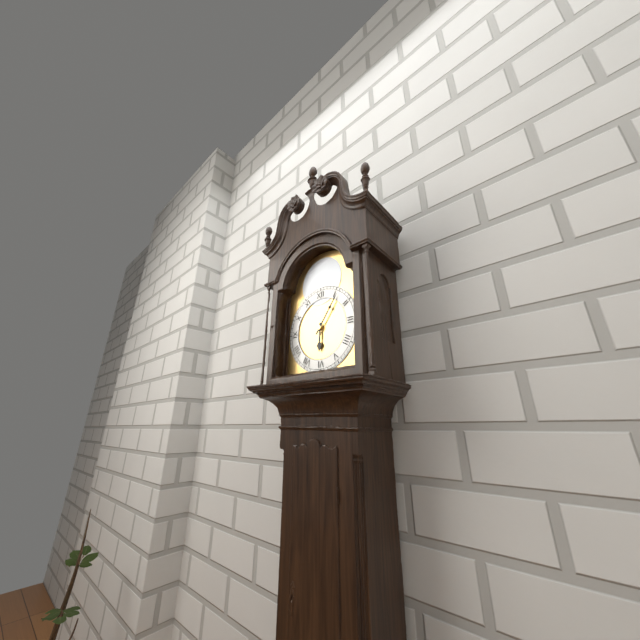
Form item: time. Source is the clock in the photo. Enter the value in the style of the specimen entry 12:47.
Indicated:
6:06
